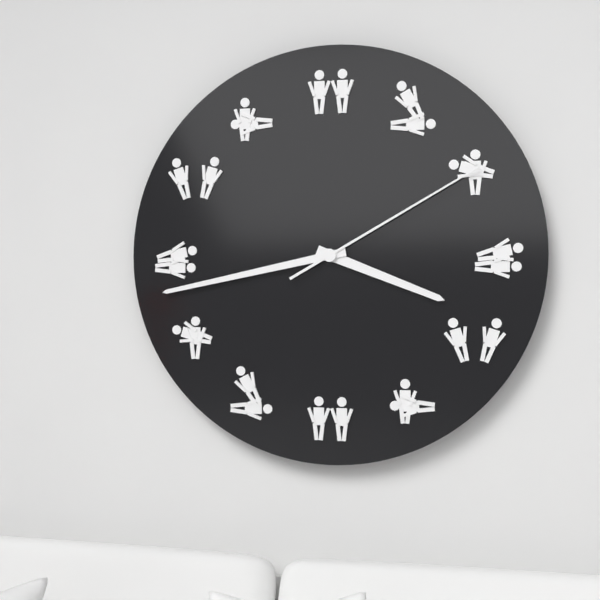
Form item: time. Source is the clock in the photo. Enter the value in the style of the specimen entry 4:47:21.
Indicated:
3:43:10
